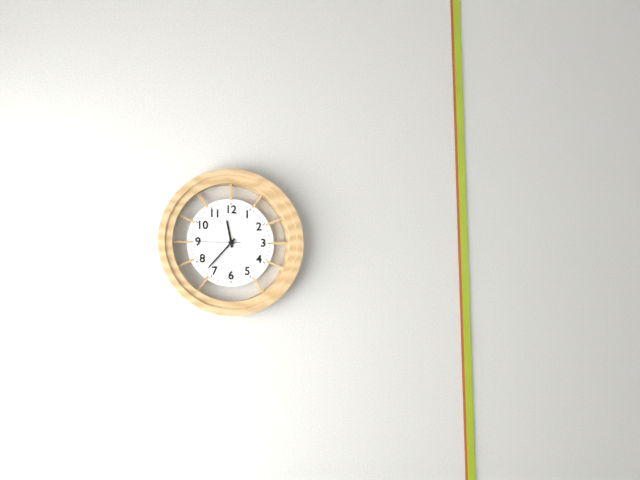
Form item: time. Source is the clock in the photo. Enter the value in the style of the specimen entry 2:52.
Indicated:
11:37
